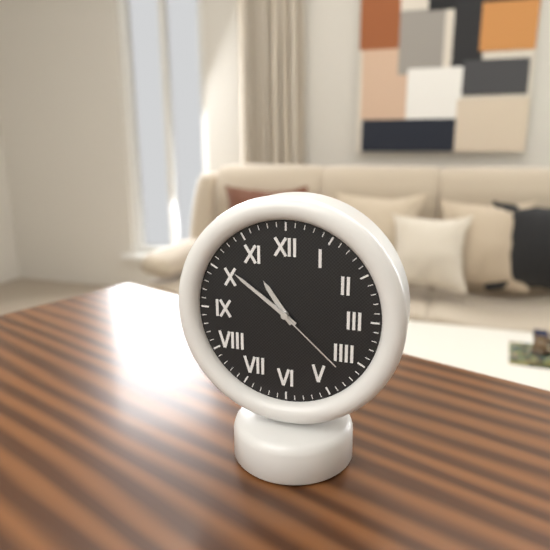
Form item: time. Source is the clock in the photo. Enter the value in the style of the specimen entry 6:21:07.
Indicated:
10:51:22
